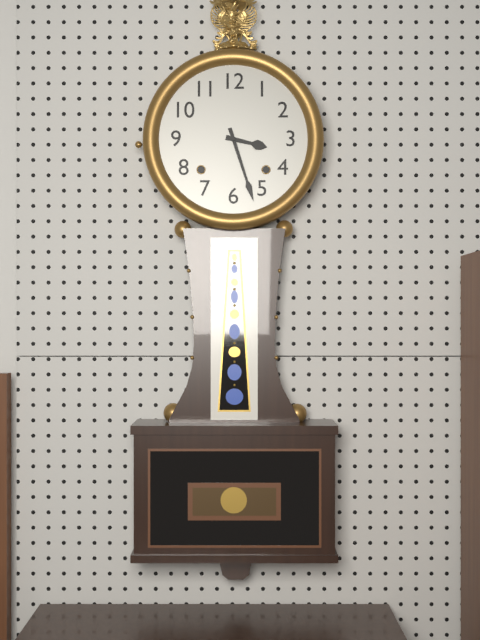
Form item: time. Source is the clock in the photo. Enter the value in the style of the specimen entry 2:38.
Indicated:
3:27
